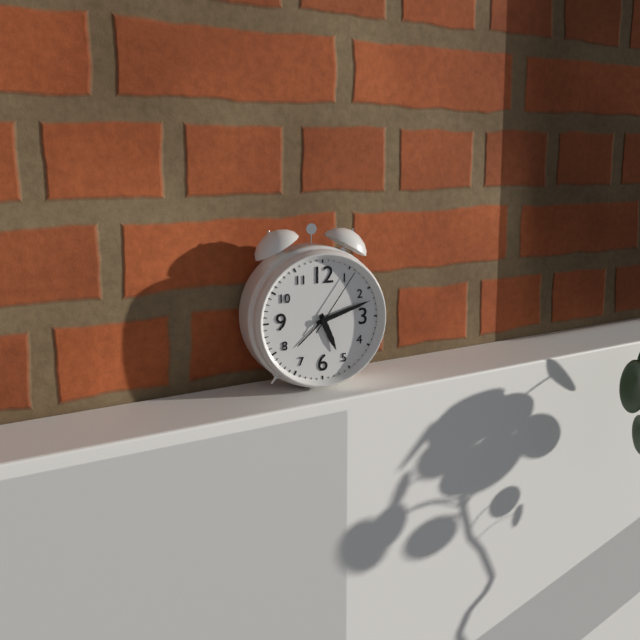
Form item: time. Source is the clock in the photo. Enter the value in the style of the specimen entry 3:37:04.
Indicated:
5:12:06
